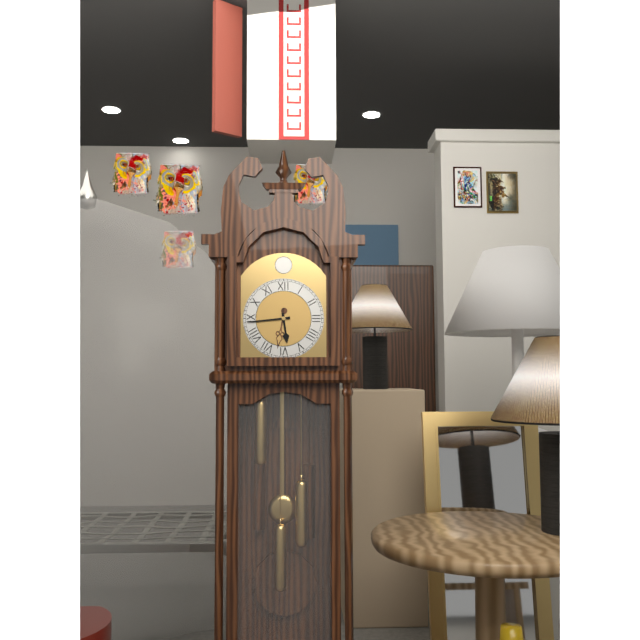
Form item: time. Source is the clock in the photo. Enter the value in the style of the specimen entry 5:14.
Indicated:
5:44
